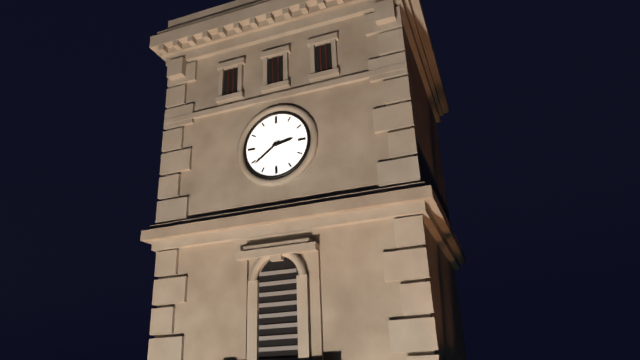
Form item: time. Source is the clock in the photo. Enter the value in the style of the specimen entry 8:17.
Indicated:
2:39
